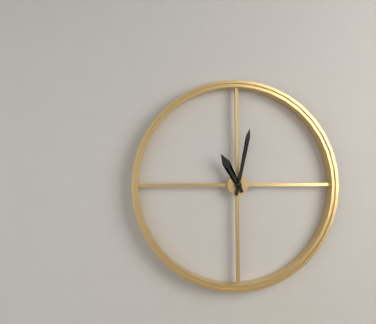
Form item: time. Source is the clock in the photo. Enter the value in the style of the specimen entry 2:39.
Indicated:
11:02
